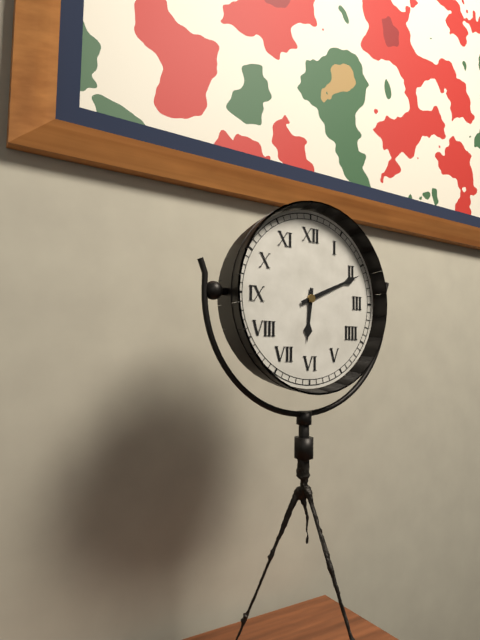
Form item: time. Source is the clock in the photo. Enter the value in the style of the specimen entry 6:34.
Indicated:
6:11
